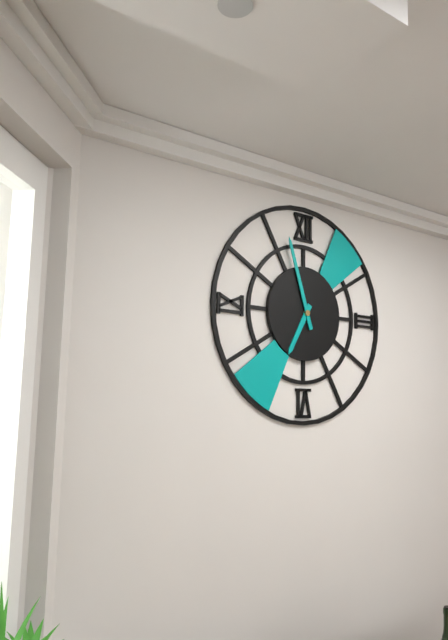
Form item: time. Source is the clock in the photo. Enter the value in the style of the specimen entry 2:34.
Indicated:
6:57
